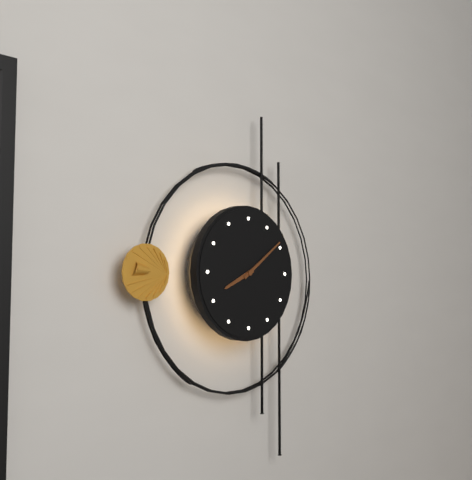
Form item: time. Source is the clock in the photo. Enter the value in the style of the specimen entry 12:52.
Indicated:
8:09
